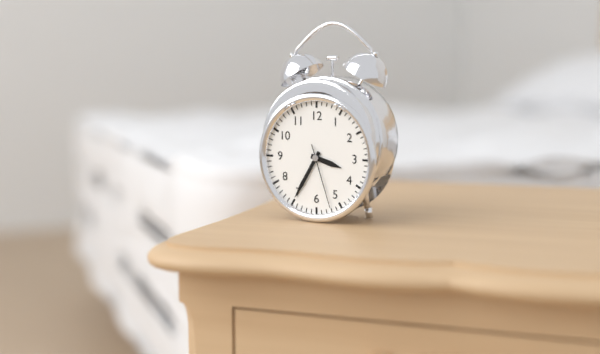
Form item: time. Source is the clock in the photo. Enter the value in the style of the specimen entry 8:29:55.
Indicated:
3:35:27
